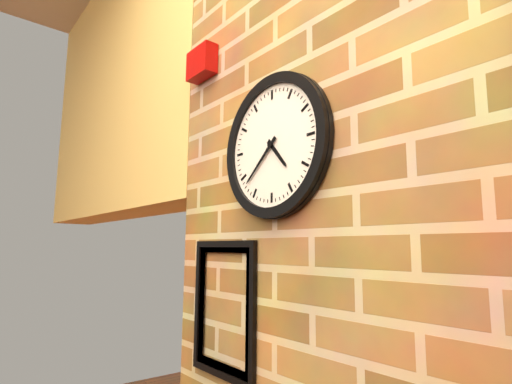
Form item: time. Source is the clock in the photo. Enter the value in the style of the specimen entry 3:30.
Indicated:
4:38
